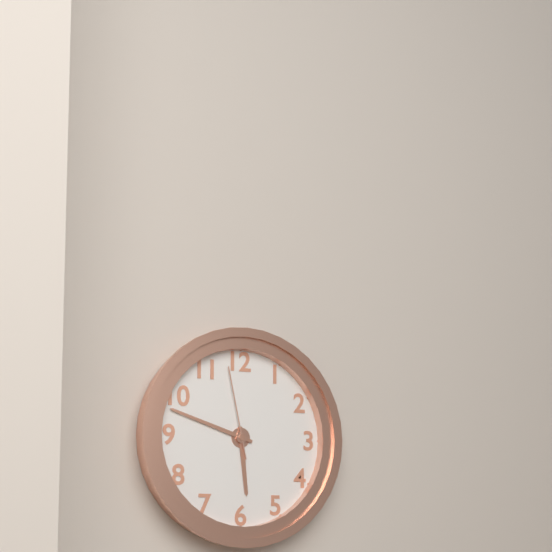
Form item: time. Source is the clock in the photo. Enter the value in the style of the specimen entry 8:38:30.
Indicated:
5:48:58
